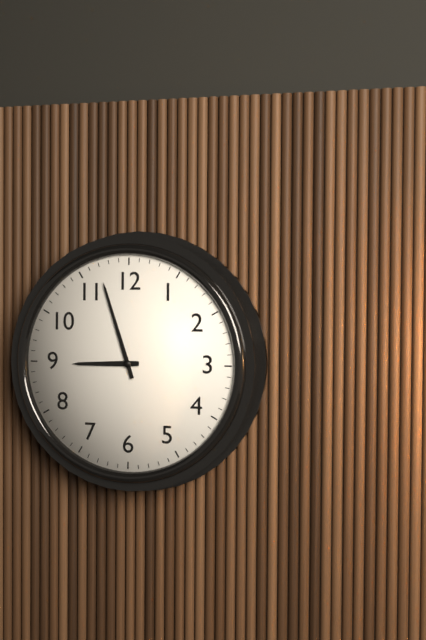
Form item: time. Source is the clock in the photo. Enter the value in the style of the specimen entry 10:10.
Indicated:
8:57
